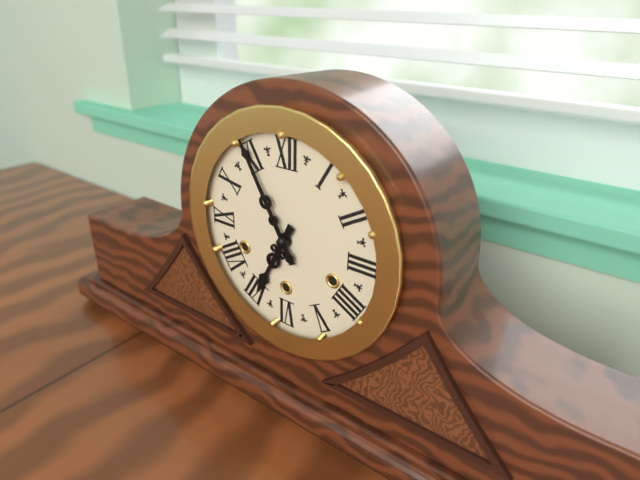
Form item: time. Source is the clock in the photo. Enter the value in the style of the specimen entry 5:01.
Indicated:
6:55
